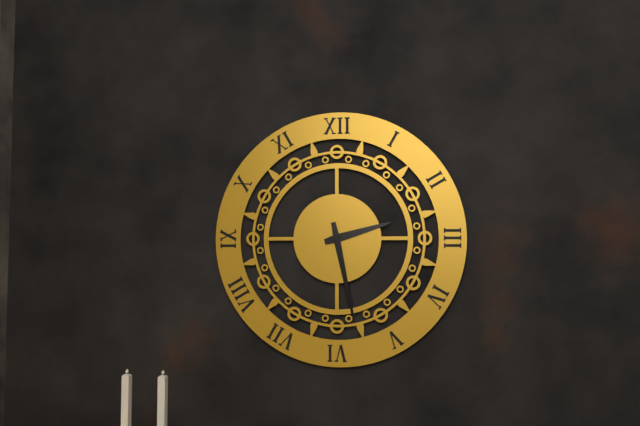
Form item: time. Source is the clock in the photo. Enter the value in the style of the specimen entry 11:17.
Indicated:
2:28
